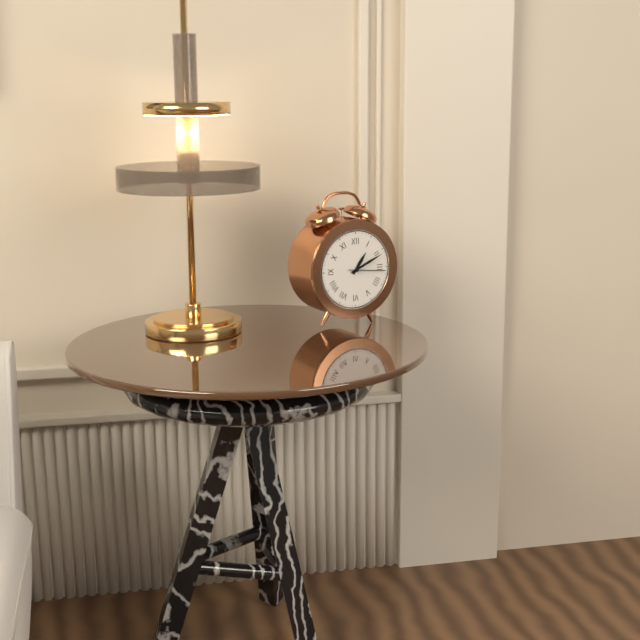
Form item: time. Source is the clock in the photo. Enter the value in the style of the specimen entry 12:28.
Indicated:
1:11
